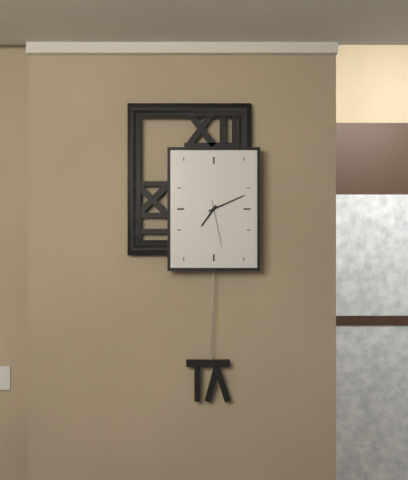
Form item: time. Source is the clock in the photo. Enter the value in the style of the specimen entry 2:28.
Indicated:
7:11
